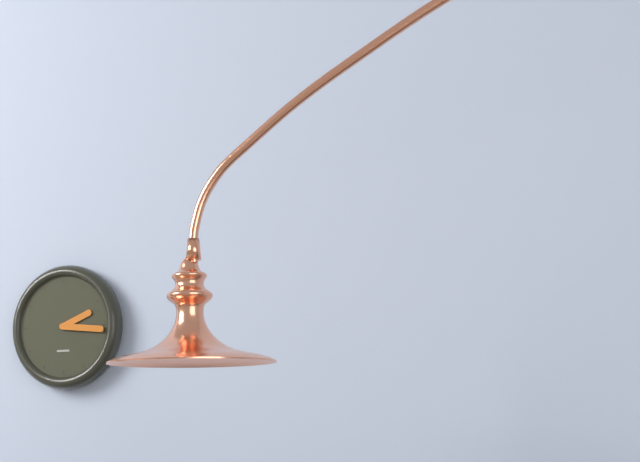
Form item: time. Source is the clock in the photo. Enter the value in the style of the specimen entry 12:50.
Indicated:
2:16
